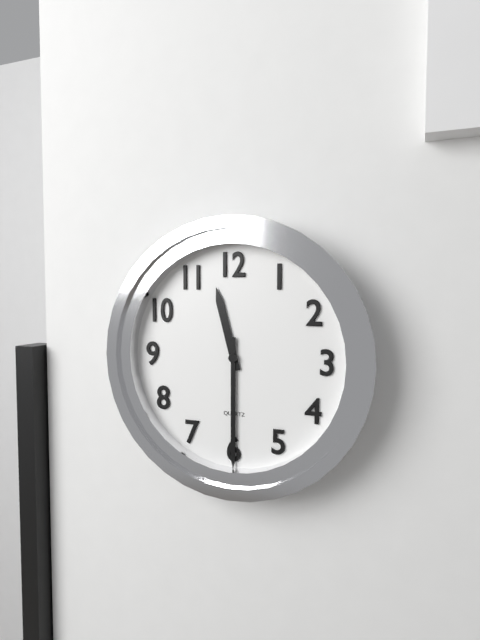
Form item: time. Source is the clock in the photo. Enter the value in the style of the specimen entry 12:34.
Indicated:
11:30
